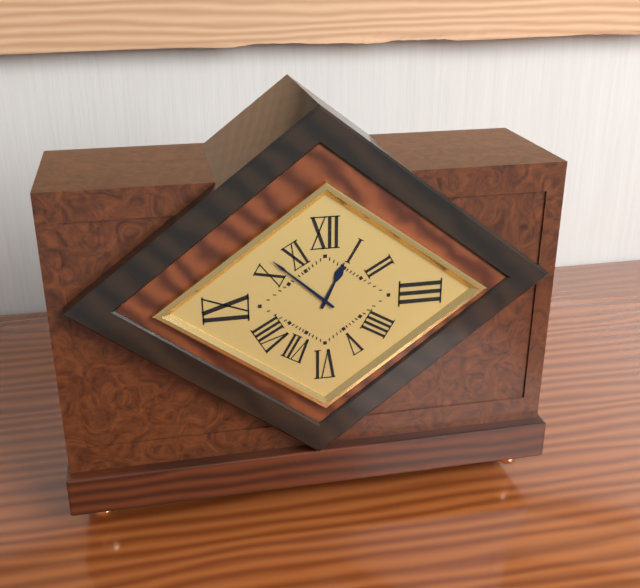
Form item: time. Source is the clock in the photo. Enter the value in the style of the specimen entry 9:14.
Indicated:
12:52
